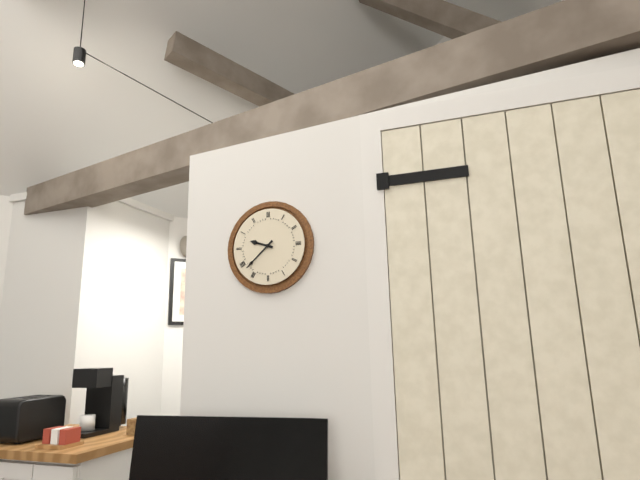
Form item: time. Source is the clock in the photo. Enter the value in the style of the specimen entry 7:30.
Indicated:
9:38
